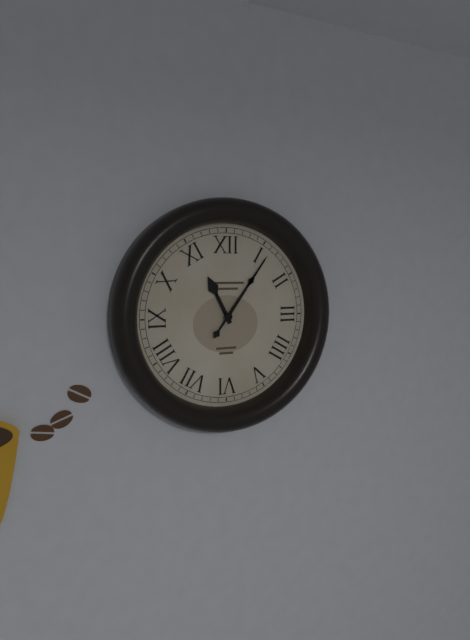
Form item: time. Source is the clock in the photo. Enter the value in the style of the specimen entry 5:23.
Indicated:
11:06
